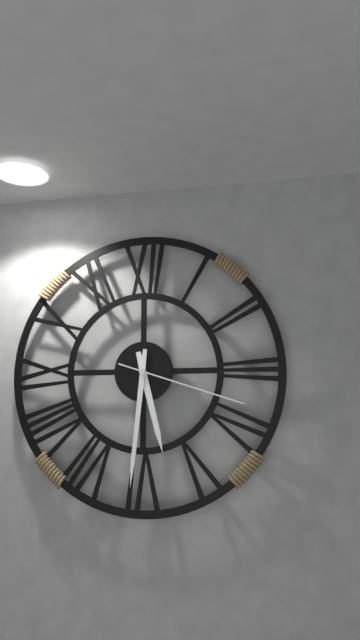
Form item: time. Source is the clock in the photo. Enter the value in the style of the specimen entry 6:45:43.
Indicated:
5:31:18
